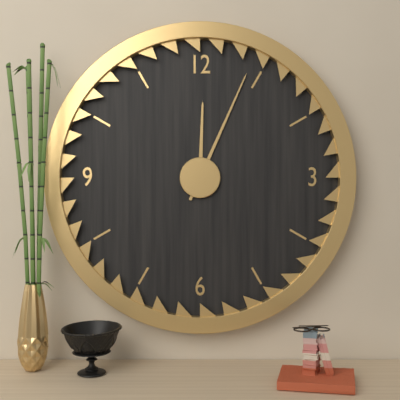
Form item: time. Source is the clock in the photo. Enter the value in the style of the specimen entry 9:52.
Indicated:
12:04
